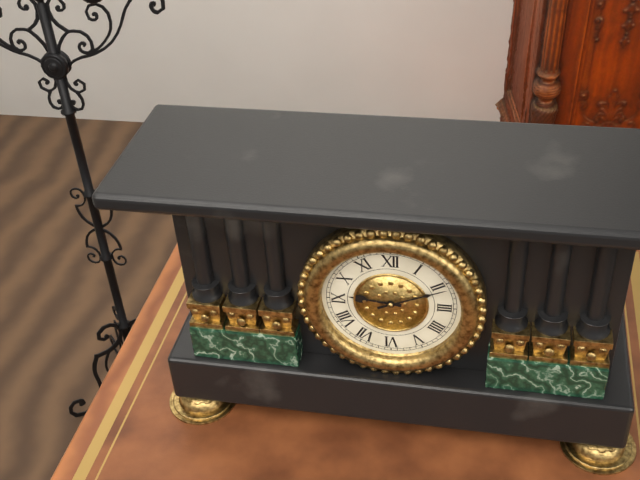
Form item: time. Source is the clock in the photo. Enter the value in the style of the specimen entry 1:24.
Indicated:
9:11
